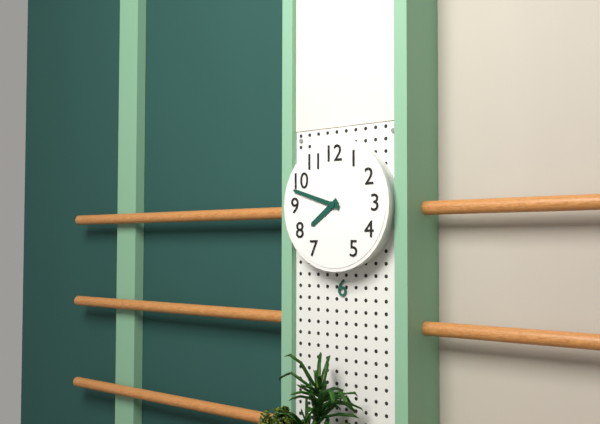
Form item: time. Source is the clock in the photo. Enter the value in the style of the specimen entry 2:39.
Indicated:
7:48
